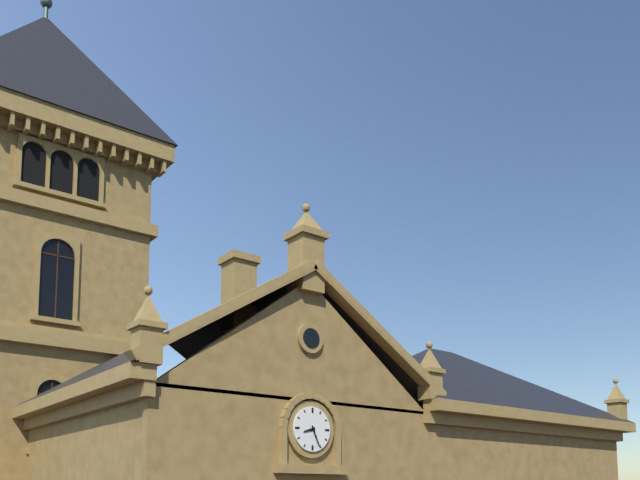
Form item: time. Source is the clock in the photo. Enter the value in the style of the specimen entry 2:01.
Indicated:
8:26
